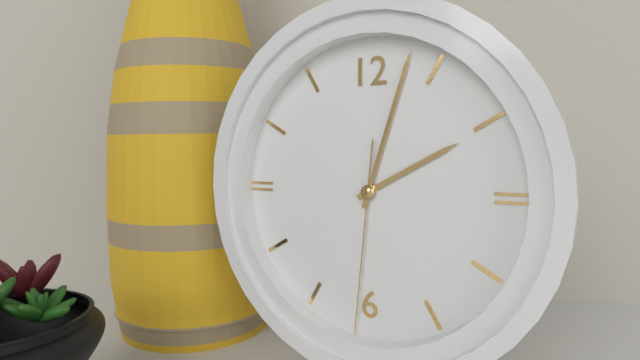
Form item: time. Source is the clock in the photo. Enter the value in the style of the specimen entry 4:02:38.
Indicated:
2:03:31
